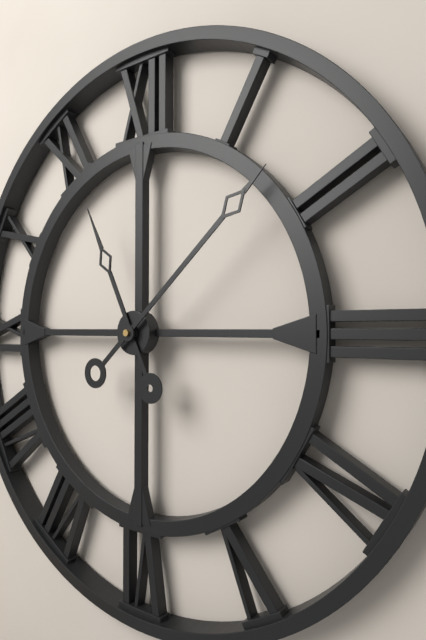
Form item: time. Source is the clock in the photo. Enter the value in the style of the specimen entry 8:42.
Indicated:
11:08
